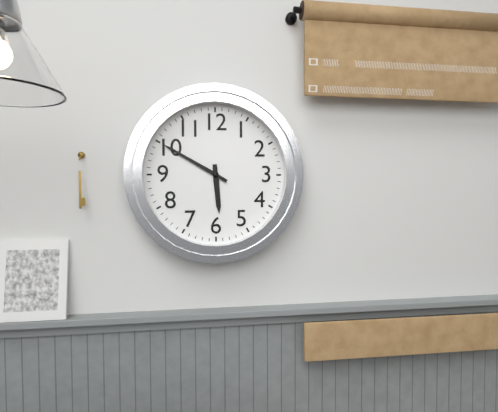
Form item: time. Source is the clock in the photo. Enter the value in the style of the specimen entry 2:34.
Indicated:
5:50
